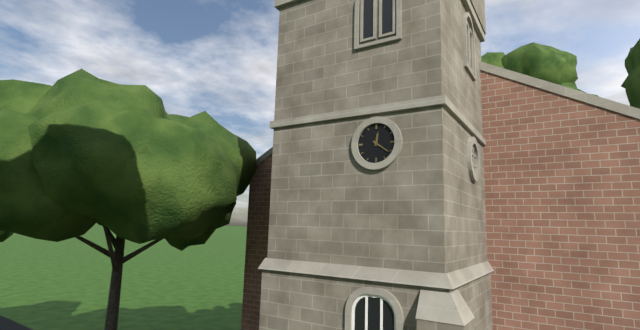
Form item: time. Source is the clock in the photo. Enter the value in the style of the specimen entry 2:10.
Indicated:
12:21
